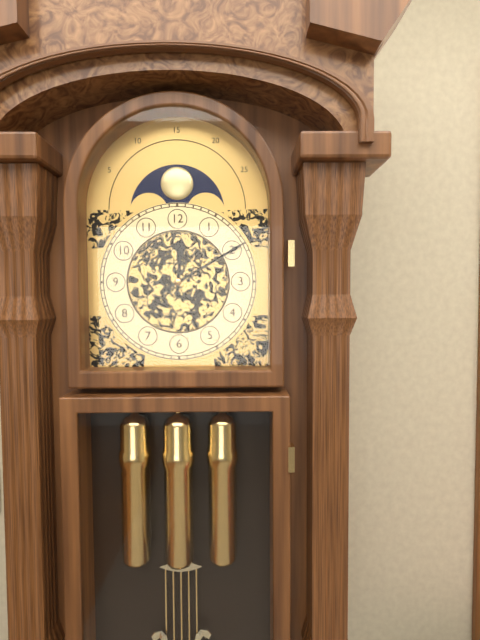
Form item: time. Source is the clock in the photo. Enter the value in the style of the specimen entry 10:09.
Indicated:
12:10
